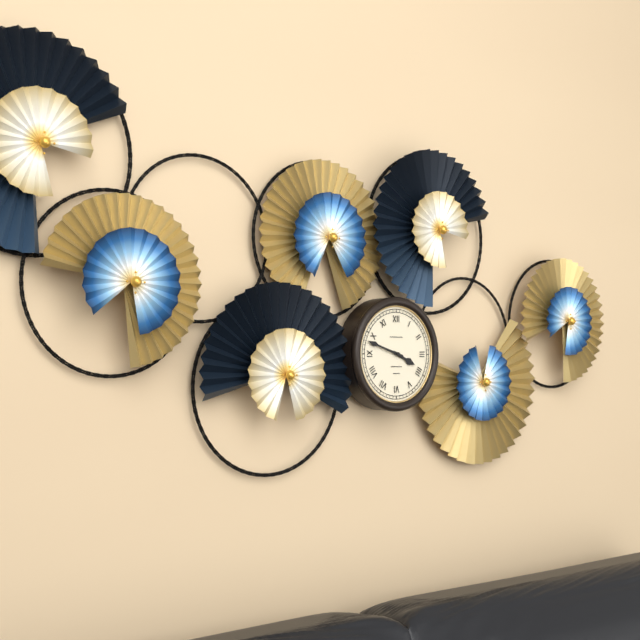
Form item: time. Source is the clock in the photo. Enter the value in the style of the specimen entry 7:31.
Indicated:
3:48
